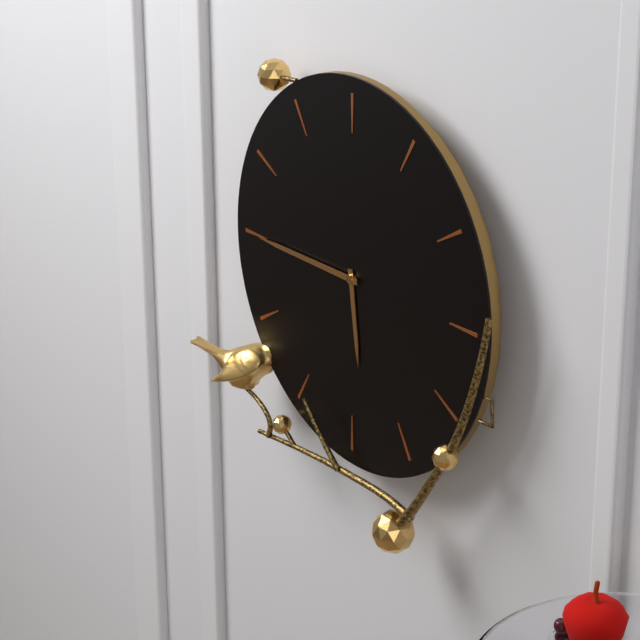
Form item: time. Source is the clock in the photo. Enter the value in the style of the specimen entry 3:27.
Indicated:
5:45
